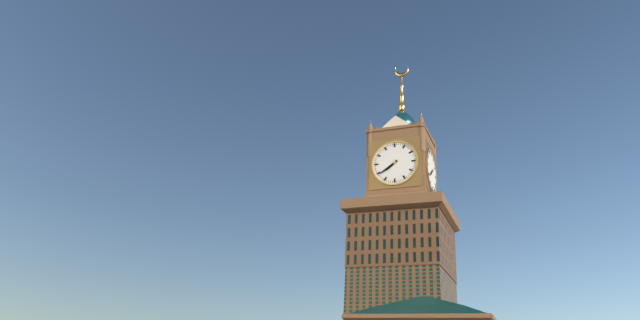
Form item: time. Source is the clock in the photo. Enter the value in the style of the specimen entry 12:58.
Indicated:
7:39
